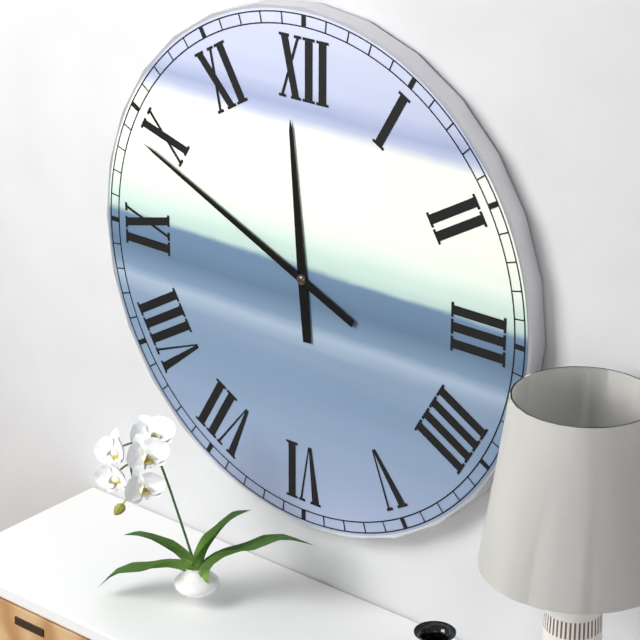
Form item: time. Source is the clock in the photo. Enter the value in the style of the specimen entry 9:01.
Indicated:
11:49
